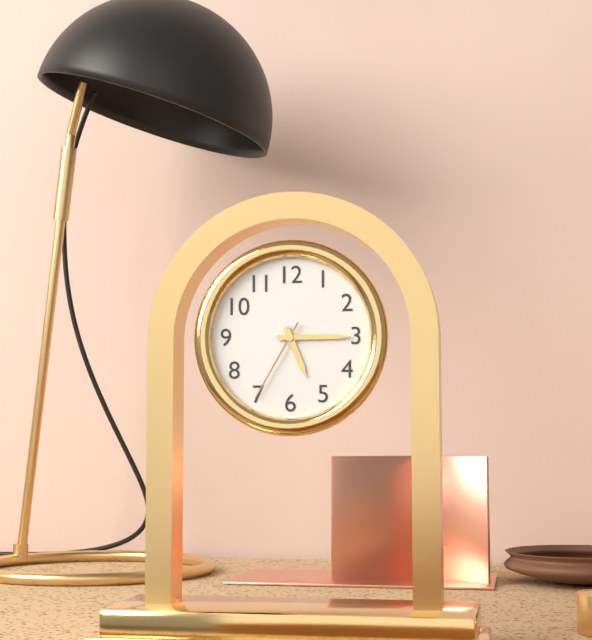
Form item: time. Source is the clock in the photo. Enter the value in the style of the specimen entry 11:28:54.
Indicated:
5:15:35
